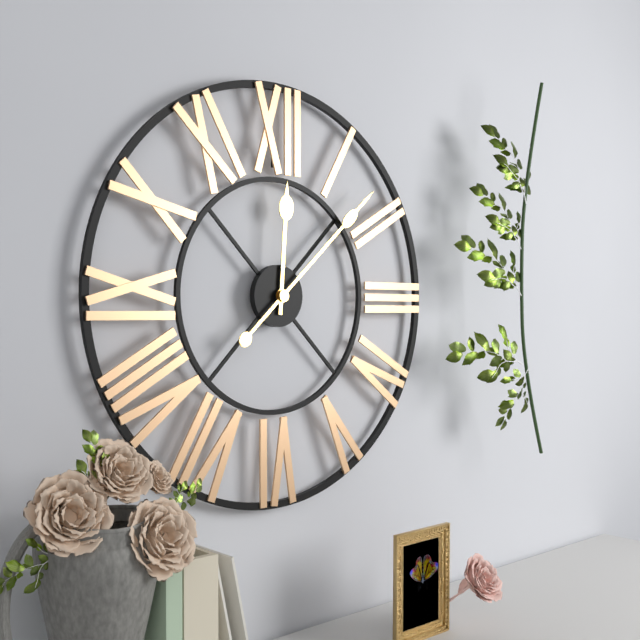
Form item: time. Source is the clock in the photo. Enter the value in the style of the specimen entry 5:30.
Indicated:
12:08
